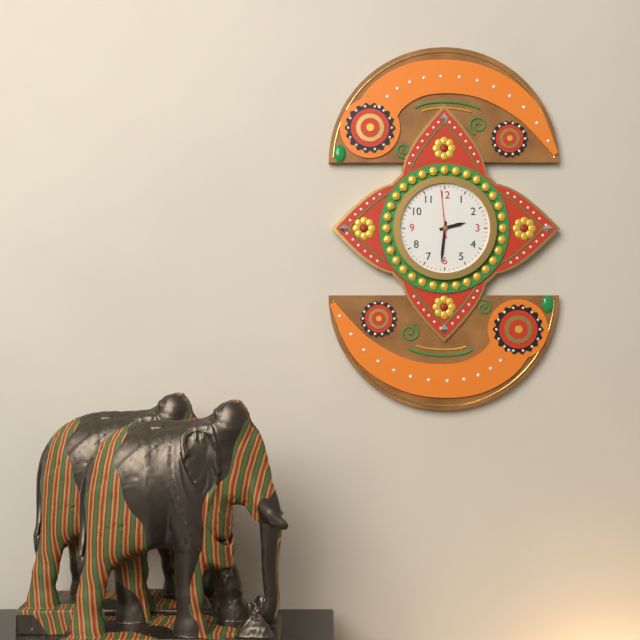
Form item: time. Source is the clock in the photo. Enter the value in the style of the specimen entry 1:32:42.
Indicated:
2:31:59
